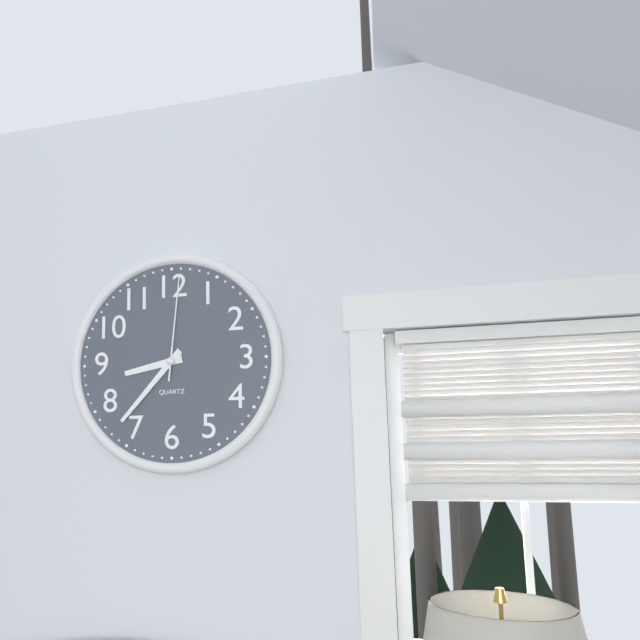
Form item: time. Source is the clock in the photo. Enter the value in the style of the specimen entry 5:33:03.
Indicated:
8:37:01
